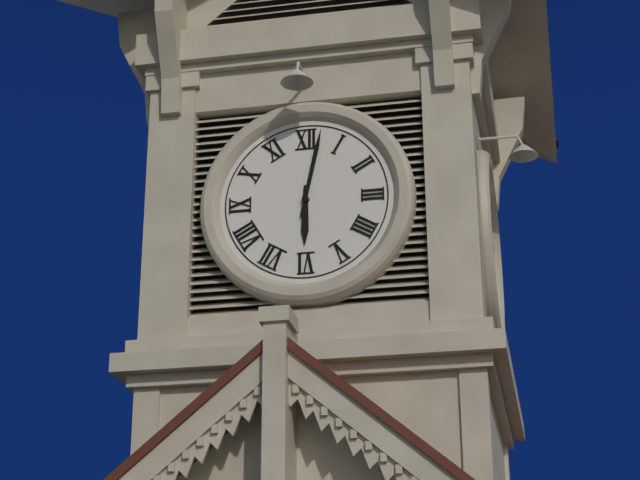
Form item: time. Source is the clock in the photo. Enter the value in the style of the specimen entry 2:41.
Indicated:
6:02
